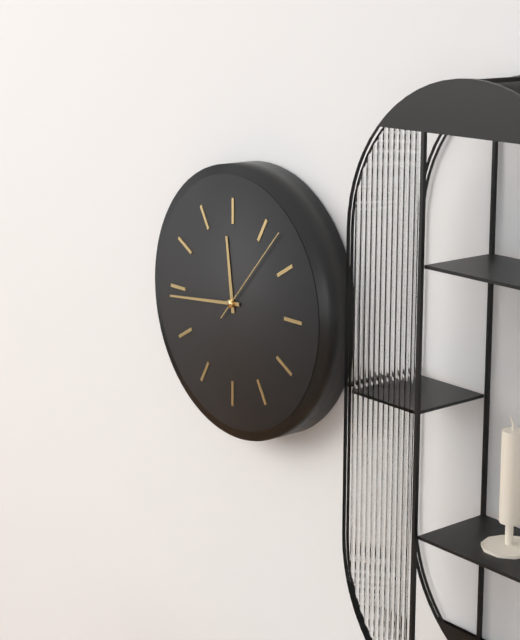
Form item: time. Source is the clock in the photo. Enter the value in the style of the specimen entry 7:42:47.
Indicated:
11:44:07
